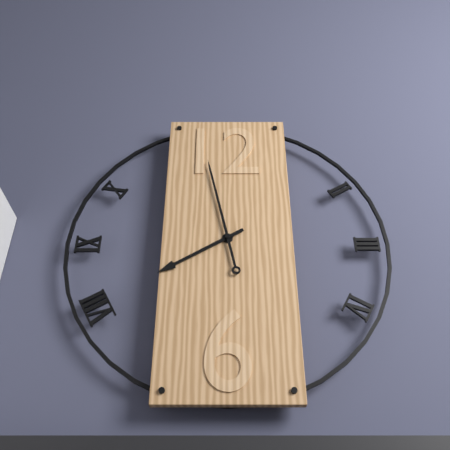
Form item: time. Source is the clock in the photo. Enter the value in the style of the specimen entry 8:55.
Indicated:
7:58
